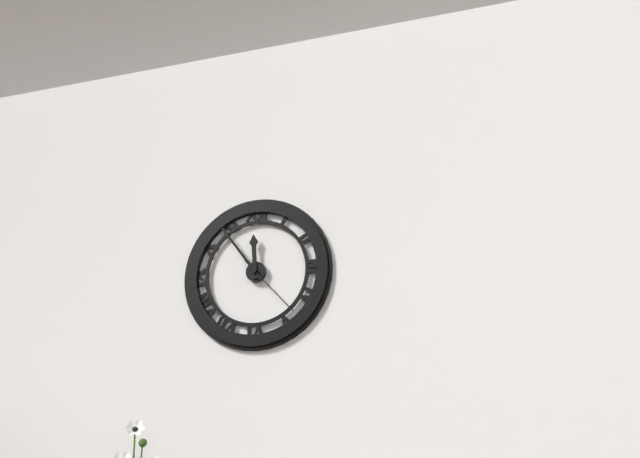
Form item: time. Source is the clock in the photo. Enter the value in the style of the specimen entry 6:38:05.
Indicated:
11:54:23
